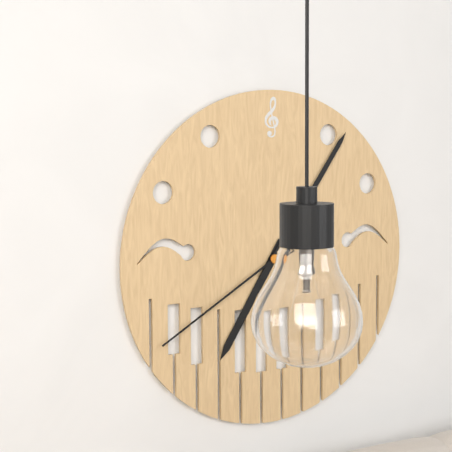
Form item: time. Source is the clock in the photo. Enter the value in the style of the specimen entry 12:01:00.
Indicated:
7:06:40
